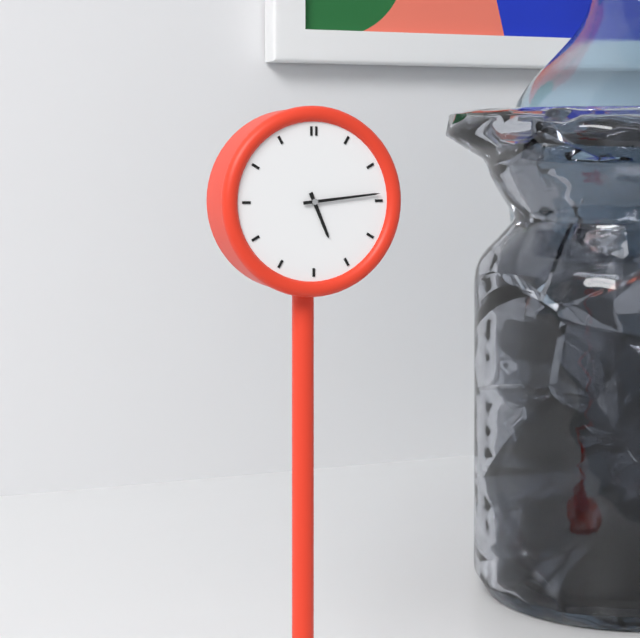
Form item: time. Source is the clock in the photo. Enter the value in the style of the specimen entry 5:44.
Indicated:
5:14
